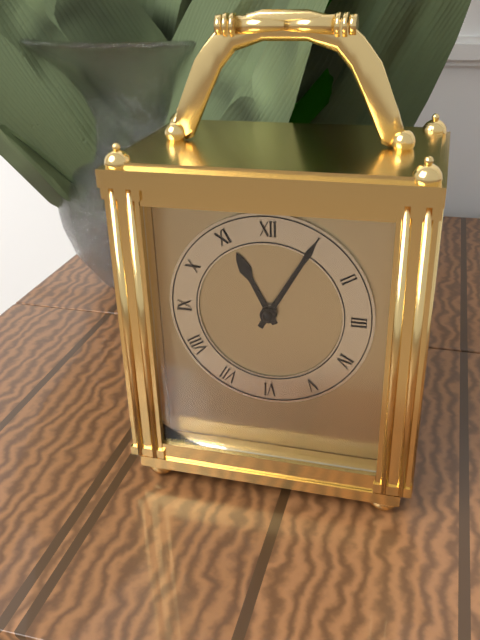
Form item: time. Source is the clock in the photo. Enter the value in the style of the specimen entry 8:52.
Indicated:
11:05
